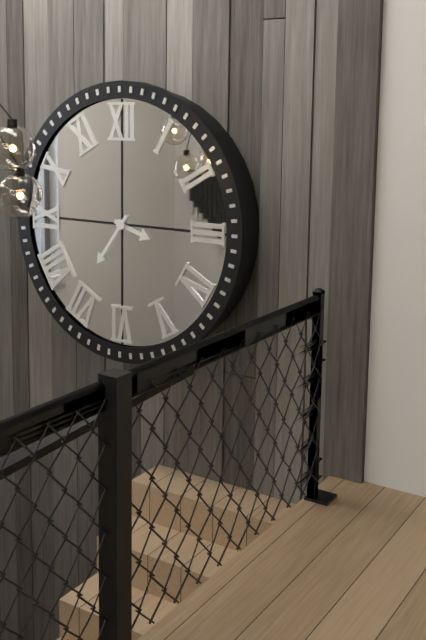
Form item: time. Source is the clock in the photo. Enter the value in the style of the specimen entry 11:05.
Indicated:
3:36
